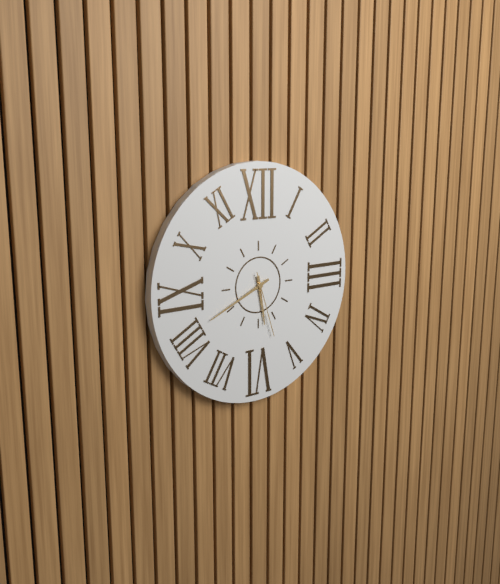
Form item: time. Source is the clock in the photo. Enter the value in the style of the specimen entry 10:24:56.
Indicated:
5:41:27
